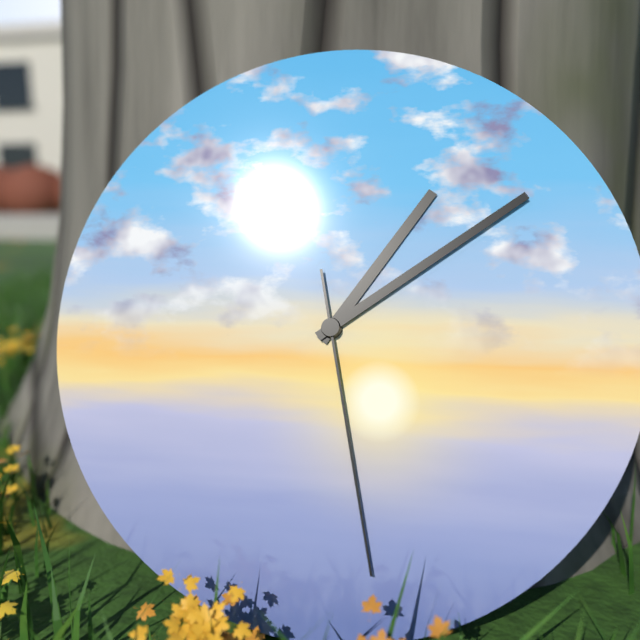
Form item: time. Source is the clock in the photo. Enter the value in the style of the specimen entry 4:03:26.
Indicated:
1:09:28
